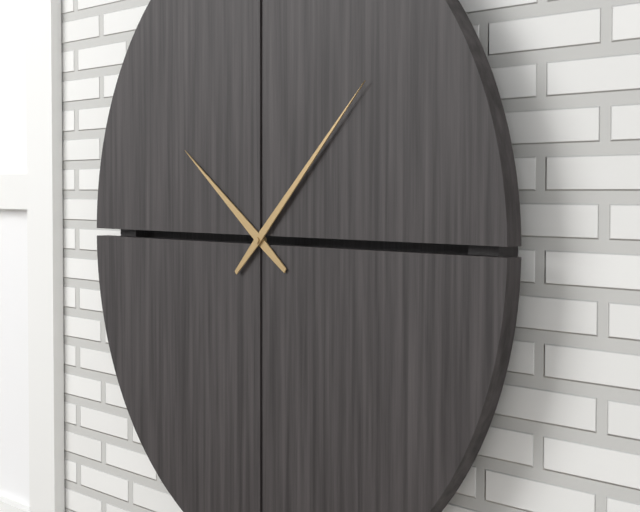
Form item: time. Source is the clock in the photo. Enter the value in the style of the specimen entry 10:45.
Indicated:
10:08
